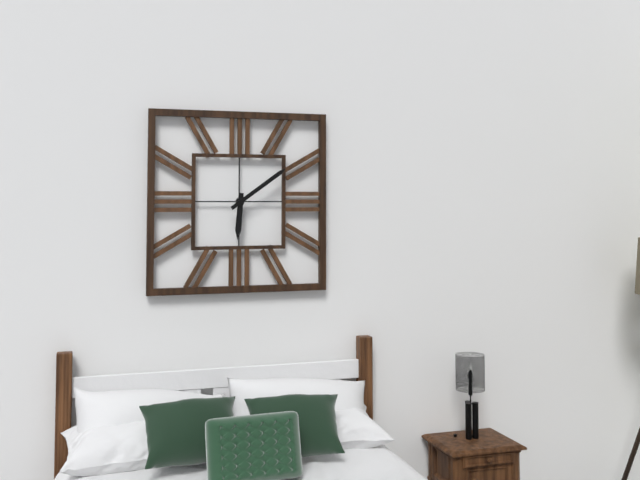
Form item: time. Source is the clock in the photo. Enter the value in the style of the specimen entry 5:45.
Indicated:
6:09
